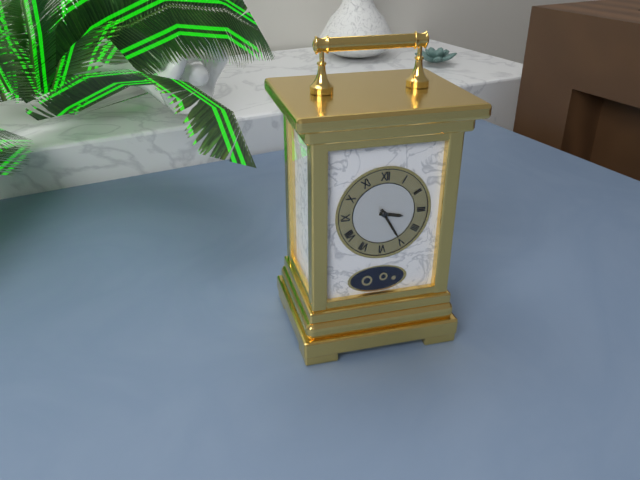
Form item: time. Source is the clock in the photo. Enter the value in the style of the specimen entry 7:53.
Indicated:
3:25
